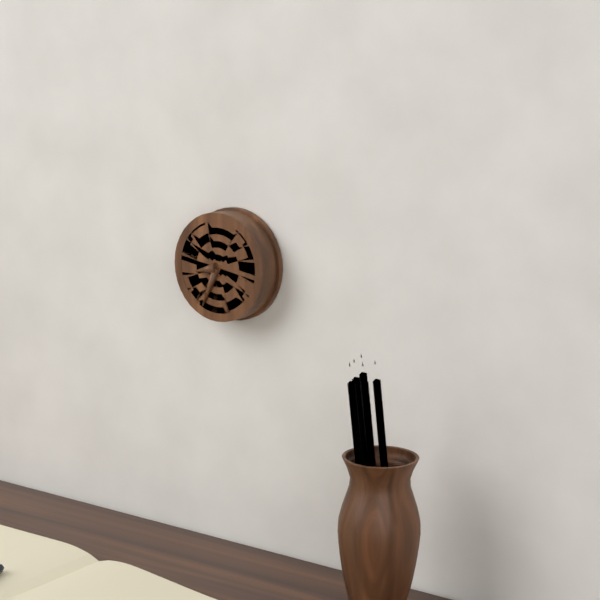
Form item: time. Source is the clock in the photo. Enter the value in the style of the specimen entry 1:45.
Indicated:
8:34
